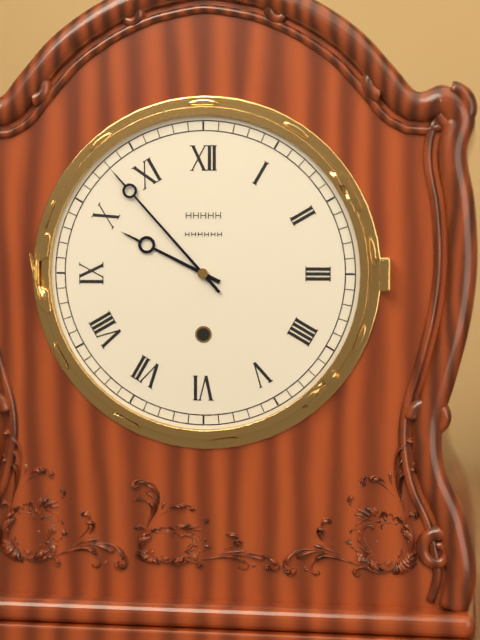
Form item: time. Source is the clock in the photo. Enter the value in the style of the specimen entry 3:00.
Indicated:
9:53
